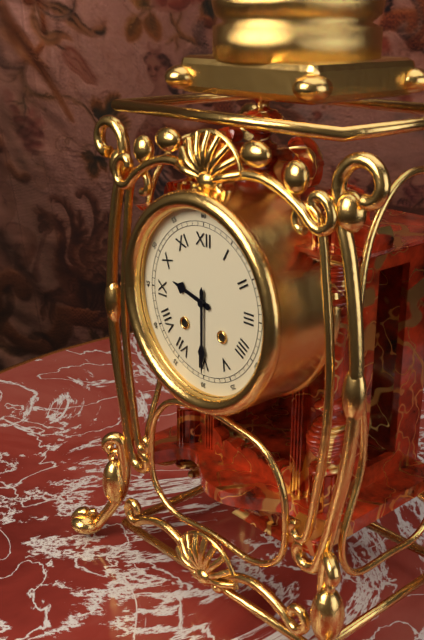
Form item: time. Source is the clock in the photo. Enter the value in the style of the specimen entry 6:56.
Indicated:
9:30
